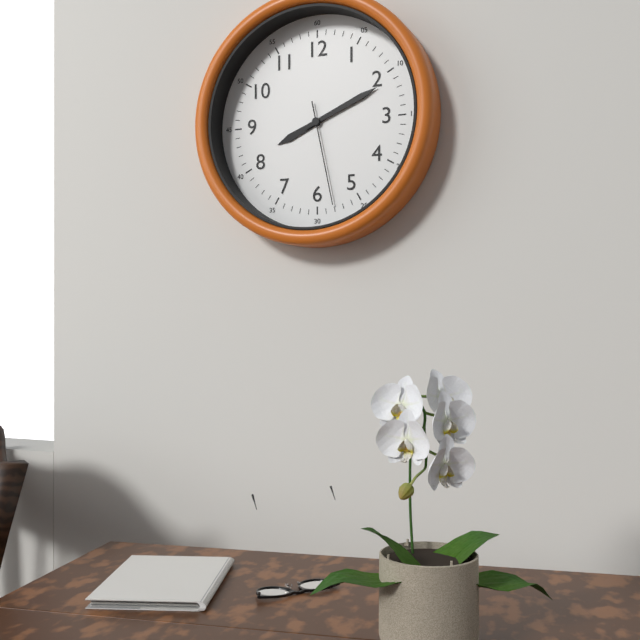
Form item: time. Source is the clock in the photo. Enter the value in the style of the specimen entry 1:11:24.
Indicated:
8:11:28
